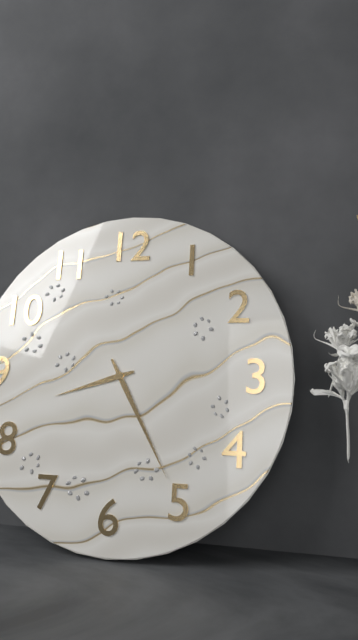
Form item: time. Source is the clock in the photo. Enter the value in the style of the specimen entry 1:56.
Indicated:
8:25
